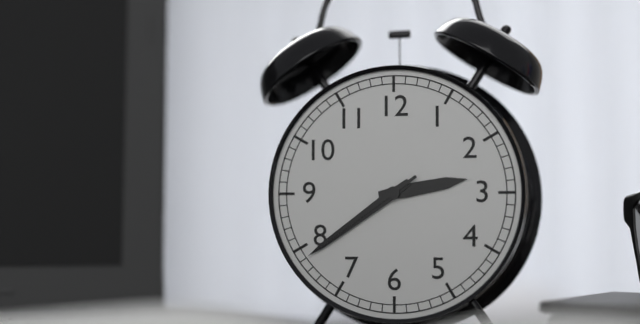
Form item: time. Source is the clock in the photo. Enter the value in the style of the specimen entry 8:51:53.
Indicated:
2:39:39
